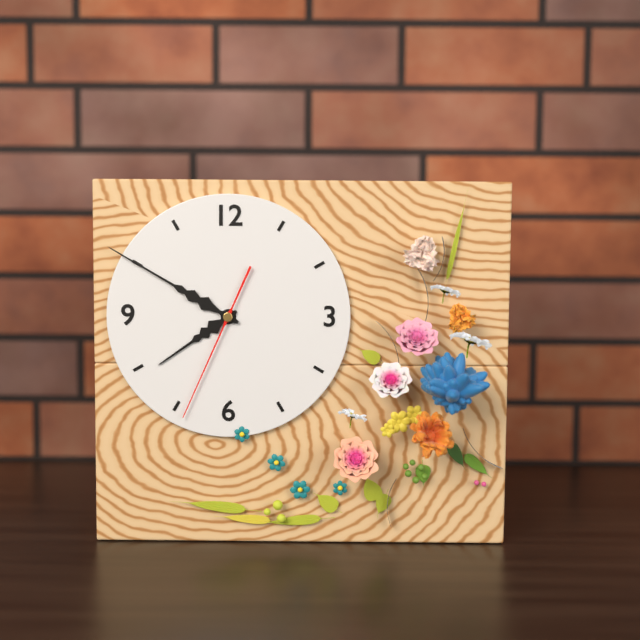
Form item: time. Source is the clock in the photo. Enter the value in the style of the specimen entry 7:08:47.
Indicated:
7:50:34
